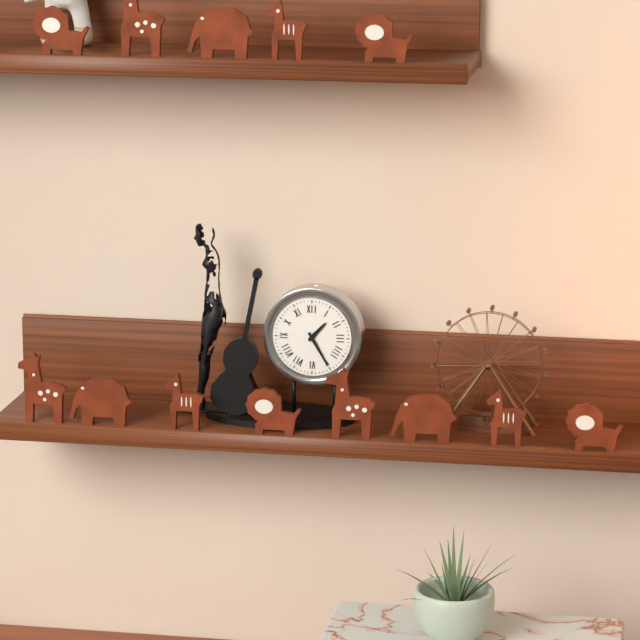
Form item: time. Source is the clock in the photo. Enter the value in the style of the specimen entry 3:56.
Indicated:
1:25
